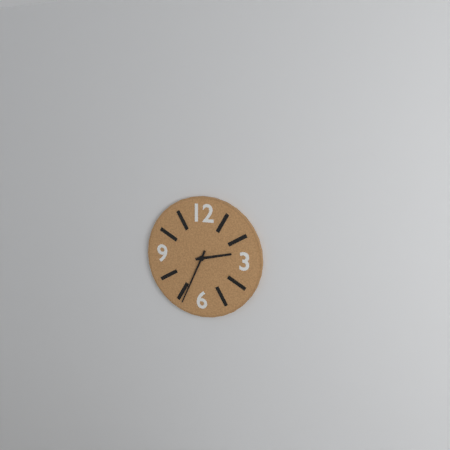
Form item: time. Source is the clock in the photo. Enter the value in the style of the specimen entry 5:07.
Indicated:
2:34
